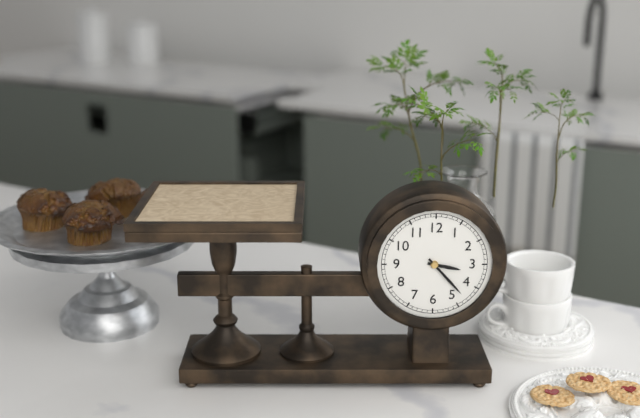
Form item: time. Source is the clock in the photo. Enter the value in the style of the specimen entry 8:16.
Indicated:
3:23
